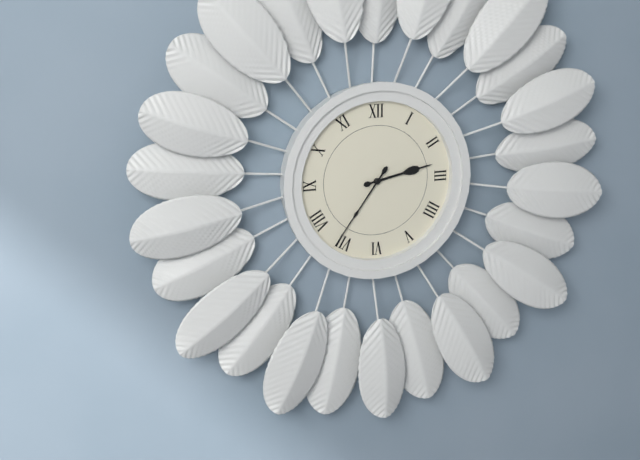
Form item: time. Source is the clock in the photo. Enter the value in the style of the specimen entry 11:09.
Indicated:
2:36
